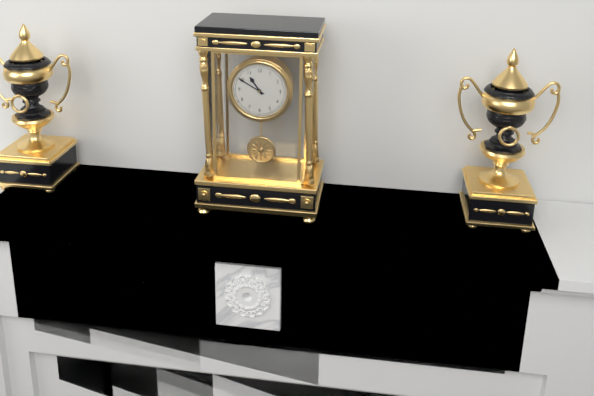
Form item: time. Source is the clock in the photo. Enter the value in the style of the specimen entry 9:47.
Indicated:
10:50
